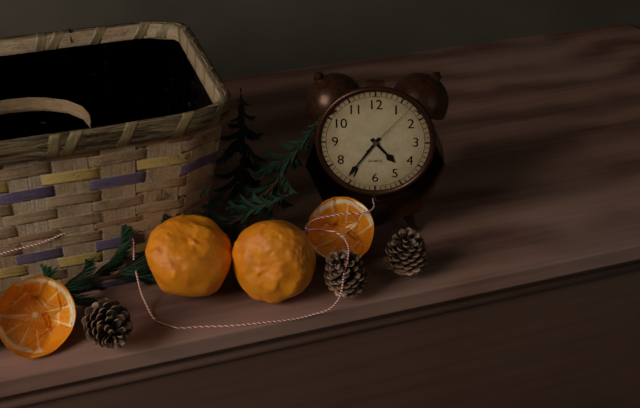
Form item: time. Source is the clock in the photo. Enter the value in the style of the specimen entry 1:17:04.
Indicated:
4:36:07
